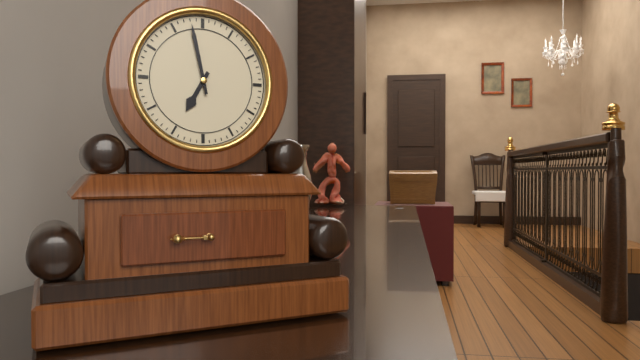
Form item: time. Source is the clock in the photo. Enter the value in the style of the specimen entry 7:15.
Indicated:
6:58
